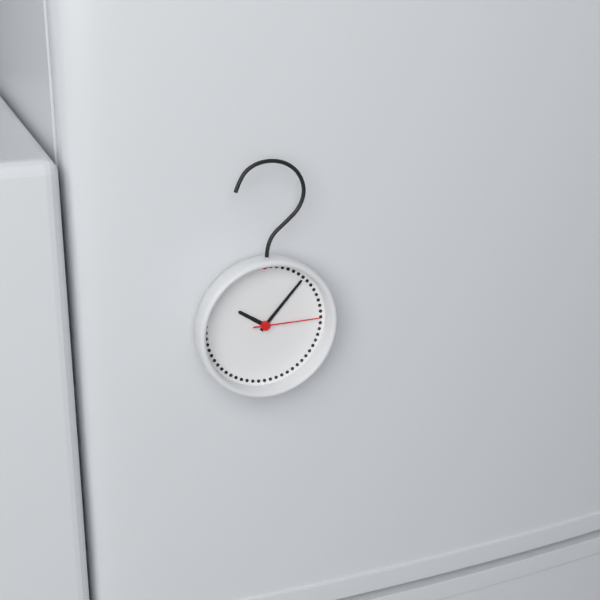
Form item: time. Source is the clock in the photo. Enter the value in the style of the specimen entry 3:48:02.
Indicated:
10:07:15
